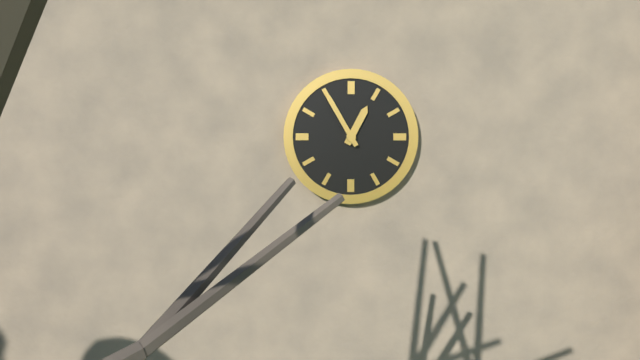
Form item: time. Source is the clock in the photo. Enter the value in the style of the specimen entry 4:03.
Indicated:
12:55
